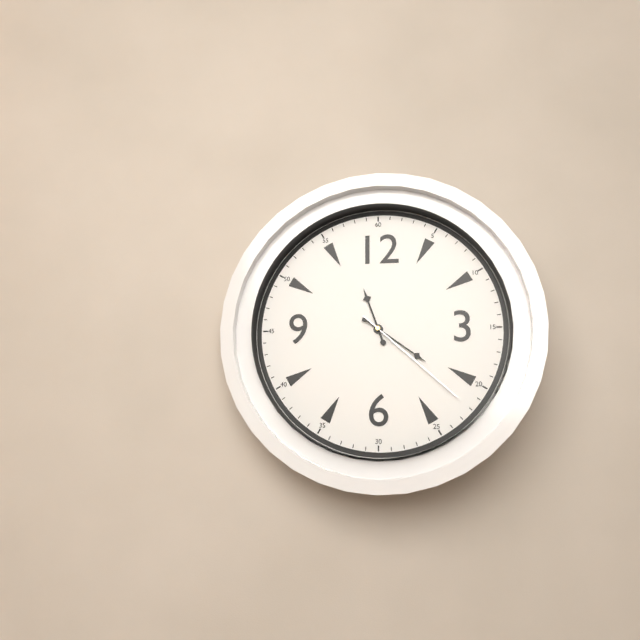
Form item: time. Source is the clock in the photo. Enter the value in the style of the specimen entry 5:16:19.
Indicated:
11:21:22
